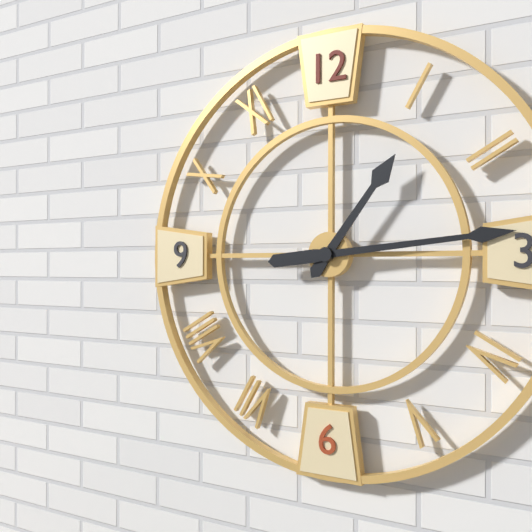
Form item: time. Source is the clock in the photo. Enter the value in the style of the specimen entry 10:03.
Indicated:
1:14
